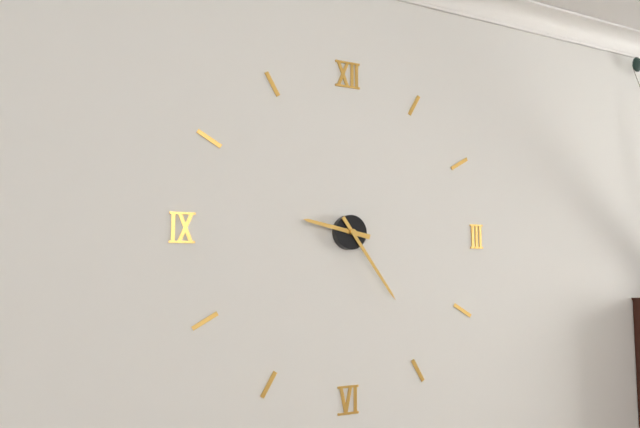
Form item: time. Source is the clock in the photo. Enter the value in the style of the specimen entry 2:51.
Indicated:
9:24
